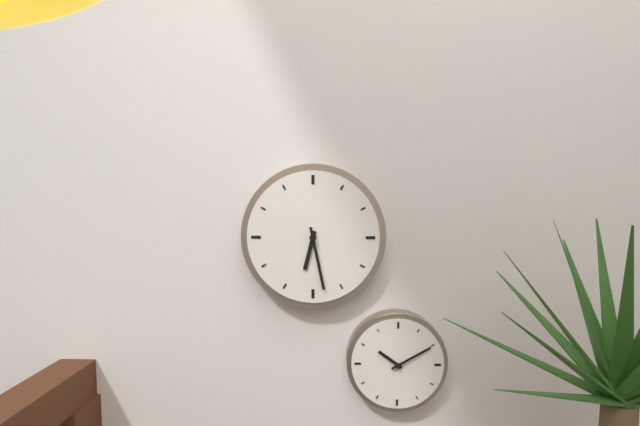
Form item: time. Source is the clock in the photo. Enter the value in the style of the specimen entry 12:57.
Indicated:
6:28
